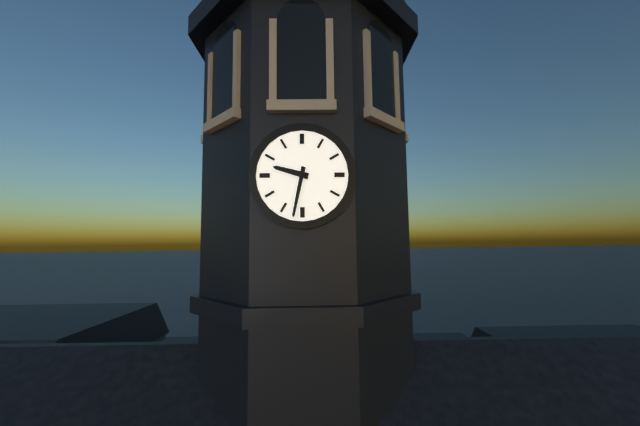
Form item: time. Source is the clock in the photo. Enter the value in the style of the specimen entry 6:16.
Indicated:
9:32
